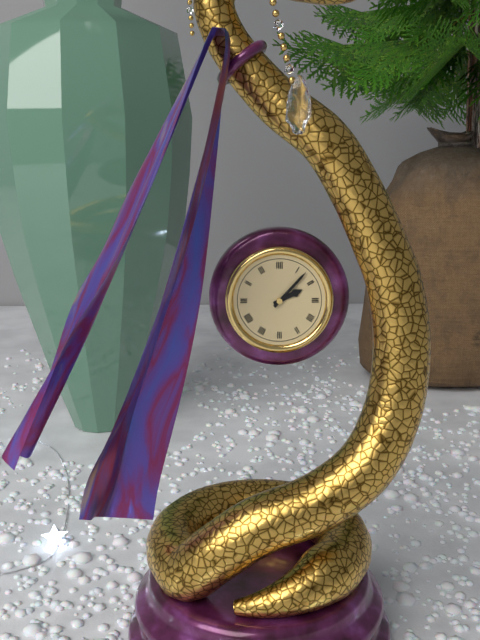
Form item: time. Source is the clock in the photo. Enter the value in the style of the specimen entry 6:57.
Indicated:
2:07
